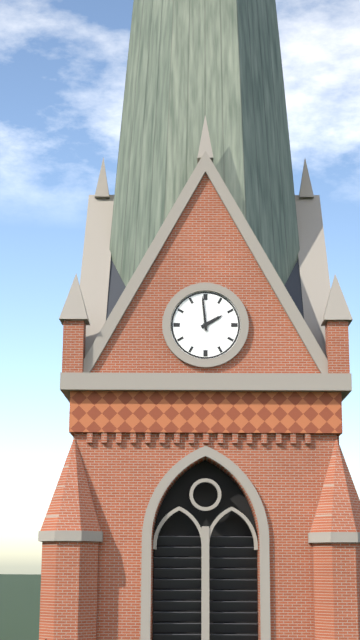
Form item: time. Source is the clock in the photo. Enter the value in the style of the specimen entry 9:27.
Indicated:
1:59
